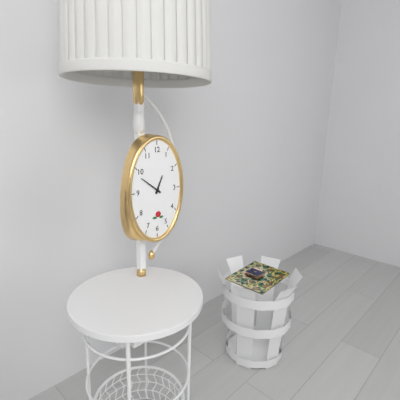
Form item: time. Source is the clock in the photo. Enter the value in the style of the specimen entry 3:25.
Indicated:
12:51
